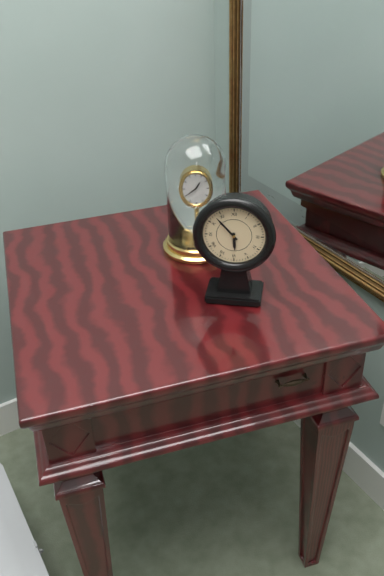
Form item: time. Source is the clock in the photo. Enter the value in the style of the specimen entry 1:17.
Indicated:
5:53
